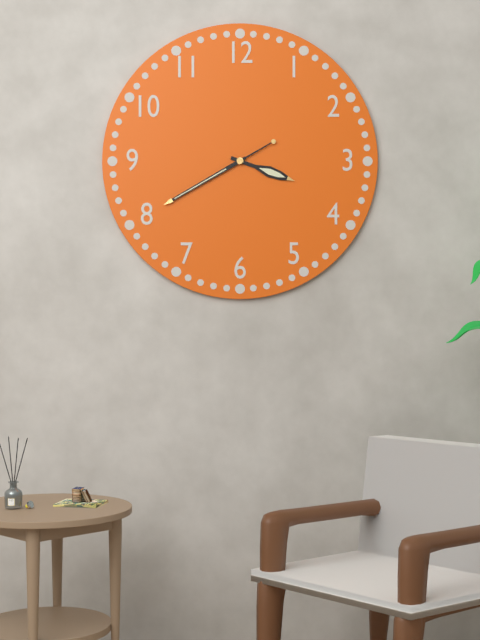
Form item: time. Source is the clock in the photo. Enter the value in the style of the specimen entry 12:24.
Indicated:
3:40
